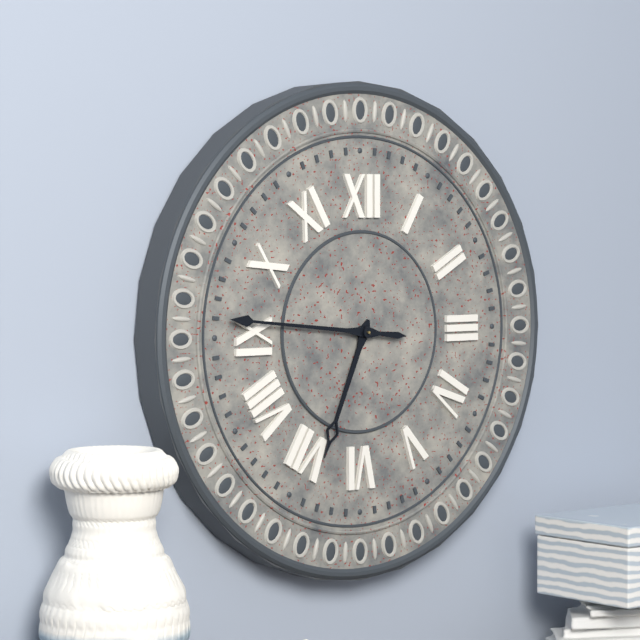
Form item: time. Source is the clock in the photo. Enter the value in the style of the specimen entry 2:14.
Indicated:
6:46
